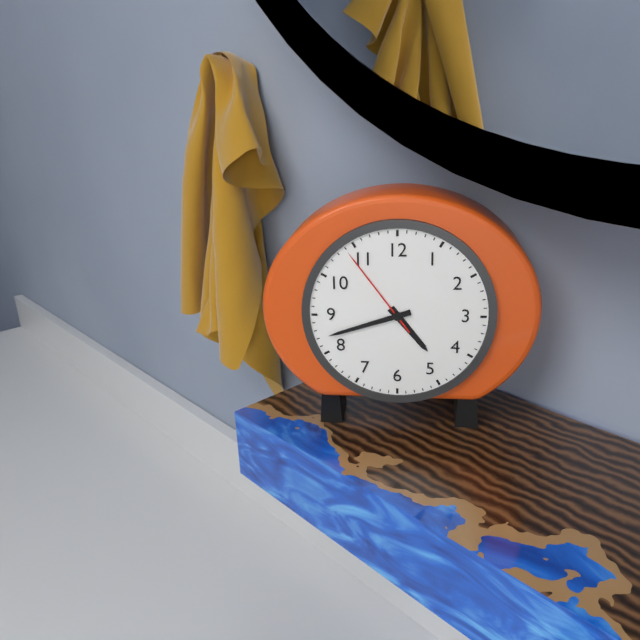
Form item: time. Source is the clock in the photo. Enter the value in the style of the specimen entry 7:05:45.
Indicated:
4:42:54
